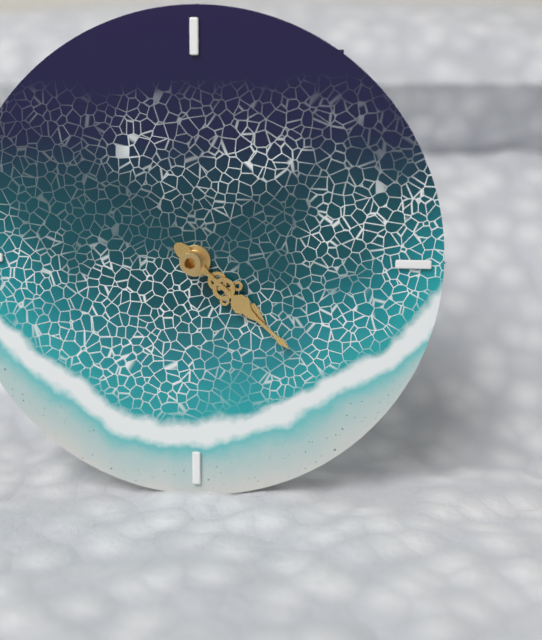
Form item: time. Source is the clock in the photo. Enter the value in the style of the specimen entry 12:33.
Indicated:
4:22
